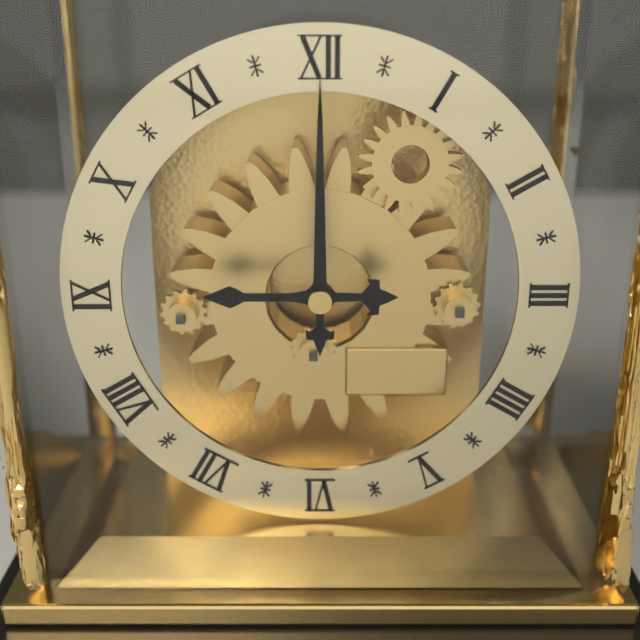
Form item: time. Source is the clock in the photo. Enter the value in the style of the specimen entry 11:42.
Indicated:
9:00
